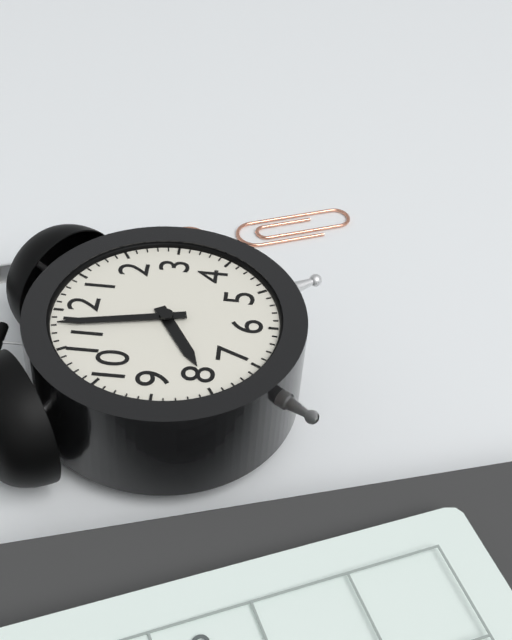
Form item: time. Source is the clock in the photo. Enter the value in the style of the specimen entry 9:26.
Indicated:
7:58
